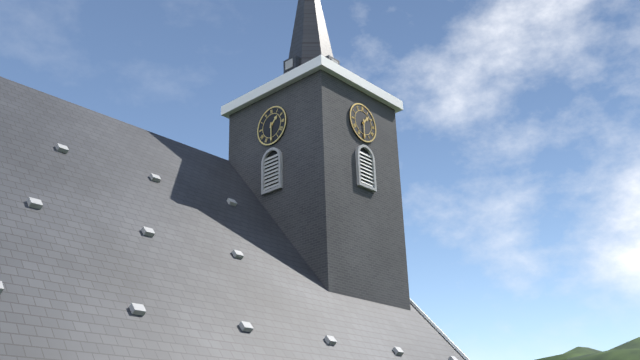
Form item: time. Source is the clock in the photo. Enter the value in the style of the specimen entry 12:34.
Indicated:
1:30
